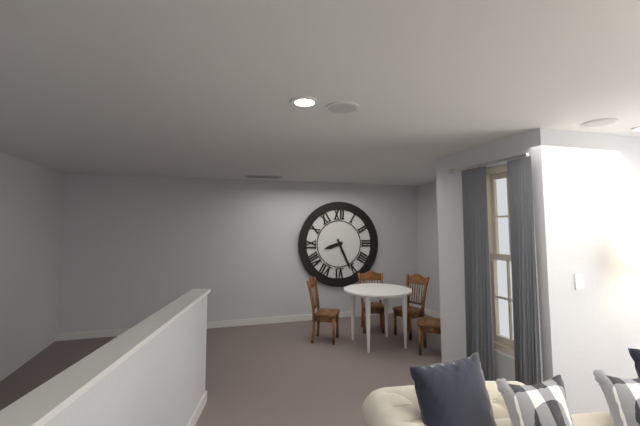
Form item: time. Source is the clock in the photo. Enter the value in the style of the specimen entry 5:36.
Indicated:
8:26
